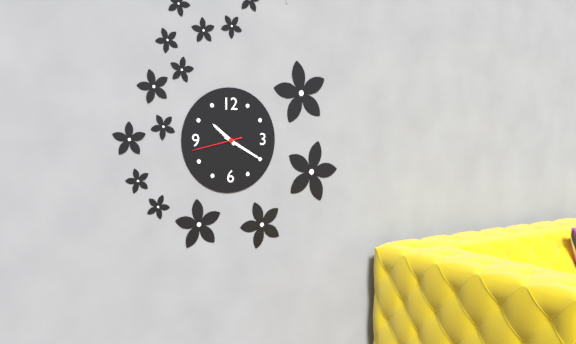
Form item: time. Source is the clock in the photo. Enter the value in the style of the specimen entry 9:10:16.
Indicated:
10:20:43
